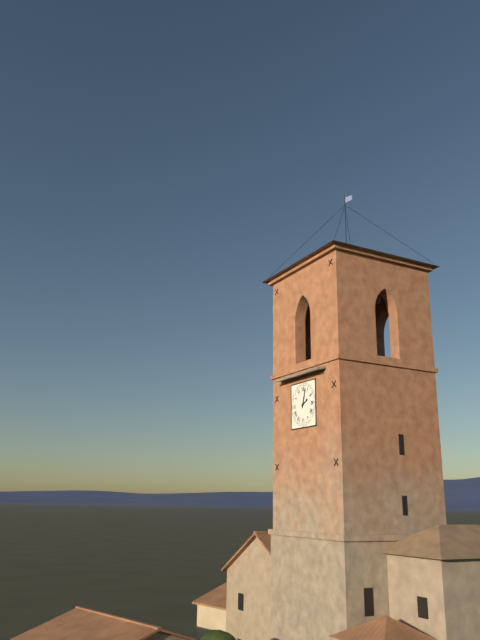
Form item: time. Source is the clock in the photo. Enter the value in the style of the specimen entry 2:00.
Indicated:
2:03
